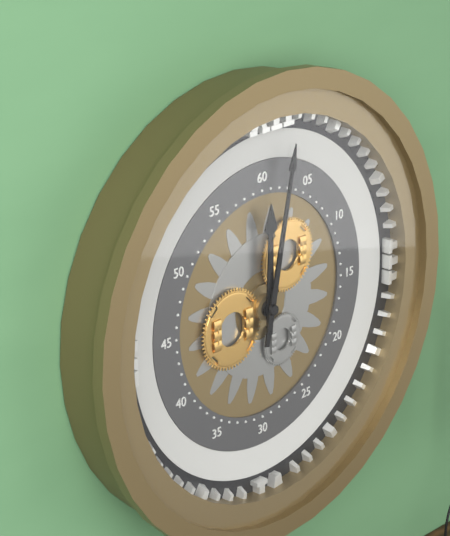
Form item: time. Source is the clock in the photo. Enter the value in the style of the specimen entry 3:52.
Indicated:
12:02
